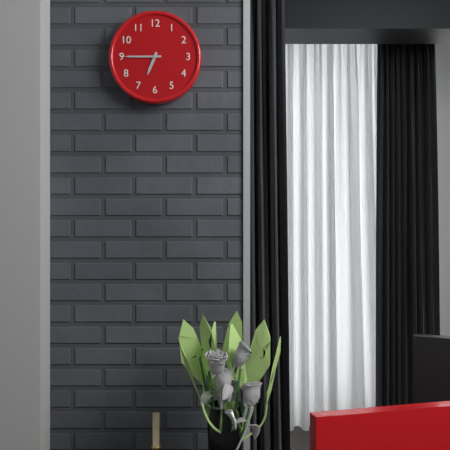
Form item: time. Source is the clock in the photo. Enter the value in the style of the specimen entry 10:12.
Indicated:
6:45
